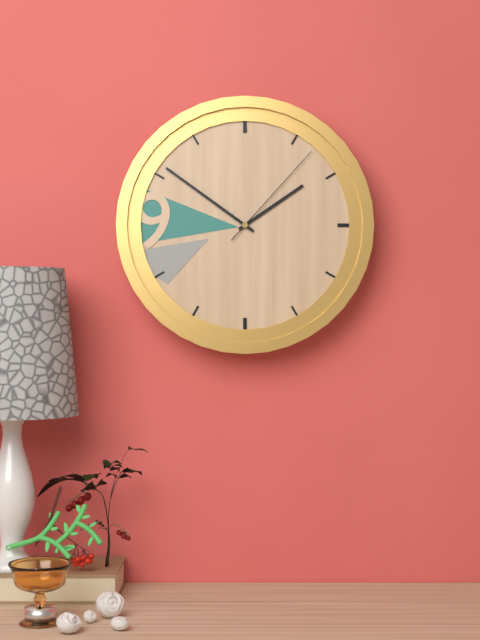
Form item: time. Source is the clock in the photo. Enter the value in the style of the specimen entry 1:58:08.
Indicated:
1:51:07
